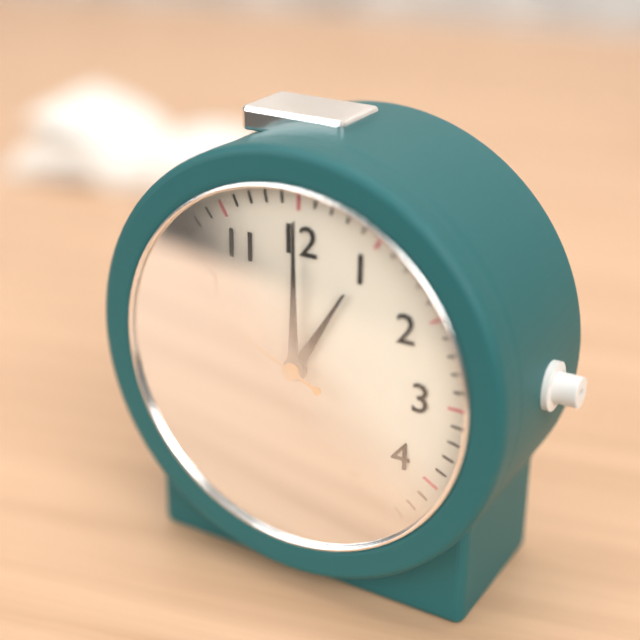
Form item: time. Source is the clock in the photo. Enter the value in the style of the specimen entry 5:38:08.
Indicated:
1:00:49
